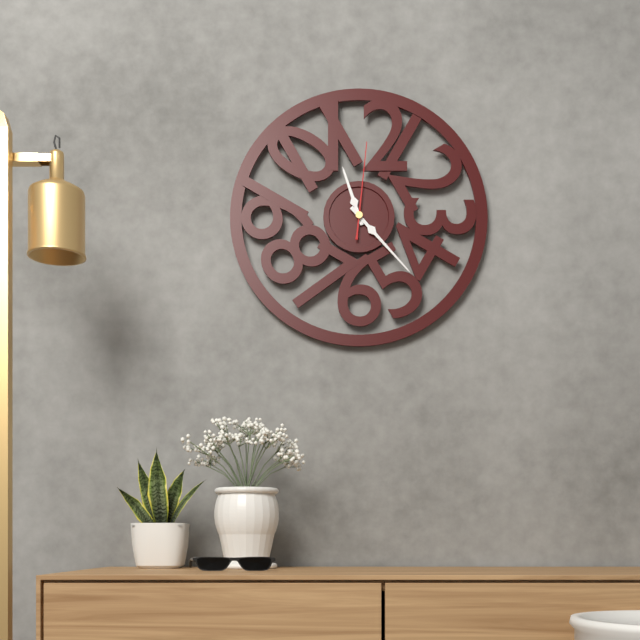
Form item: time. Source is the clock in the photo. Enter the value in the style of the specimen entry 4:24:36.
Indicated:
11:23:01
